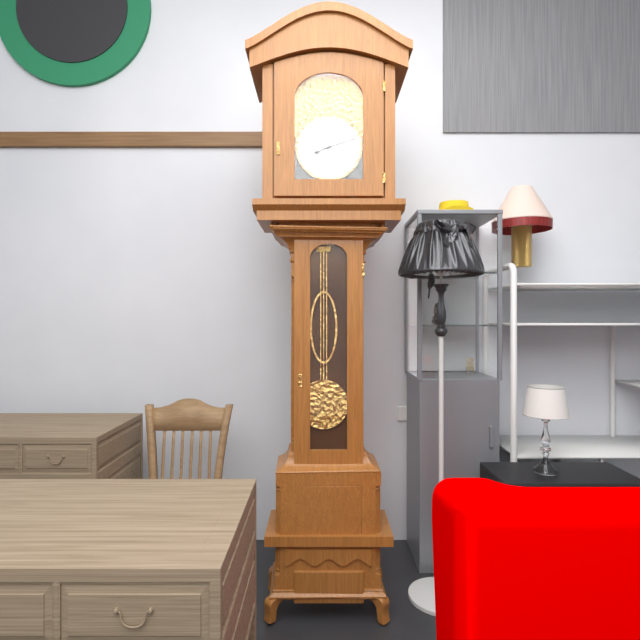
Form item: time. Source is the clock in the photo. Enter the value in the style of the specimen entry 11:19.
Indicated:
8:12
